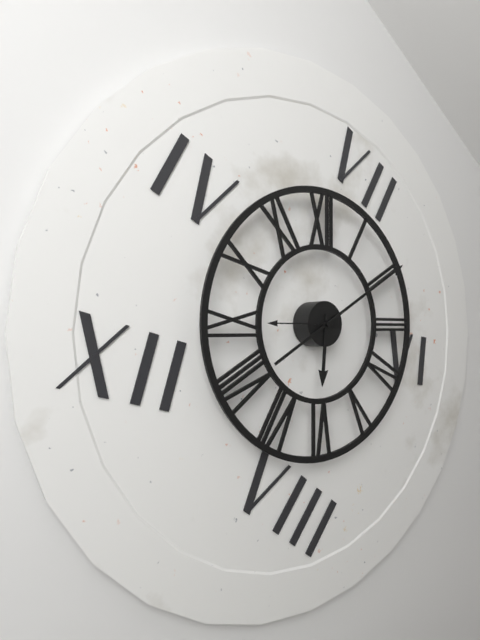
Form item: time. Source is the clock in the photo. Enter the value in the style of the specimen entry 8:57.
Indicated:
6:10
